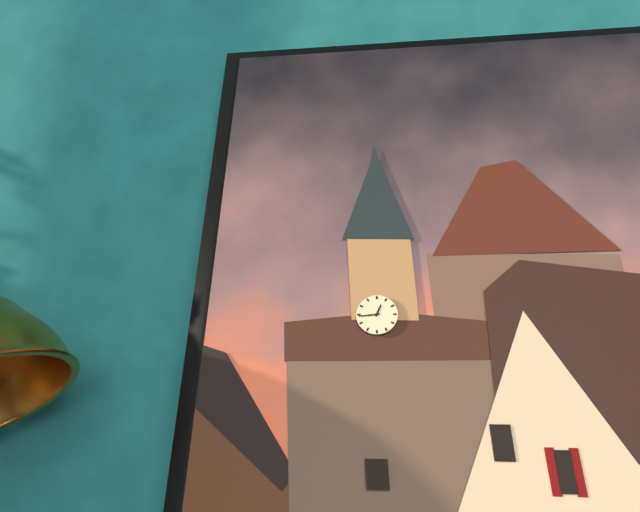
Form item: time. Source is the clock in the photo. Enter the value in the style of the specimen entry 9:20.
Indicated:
12:44
